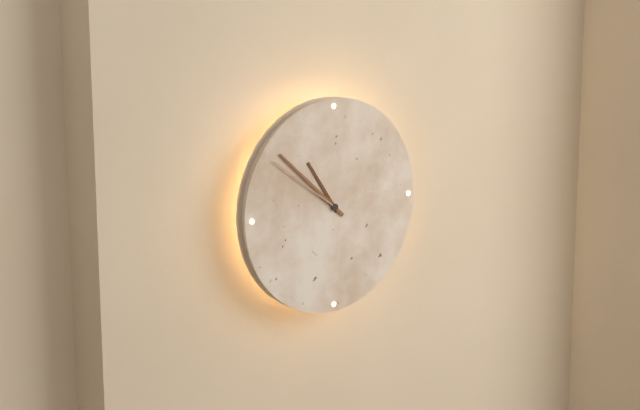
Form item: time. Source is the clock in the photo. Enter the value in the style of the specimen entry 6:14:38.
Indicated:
10:52:51
